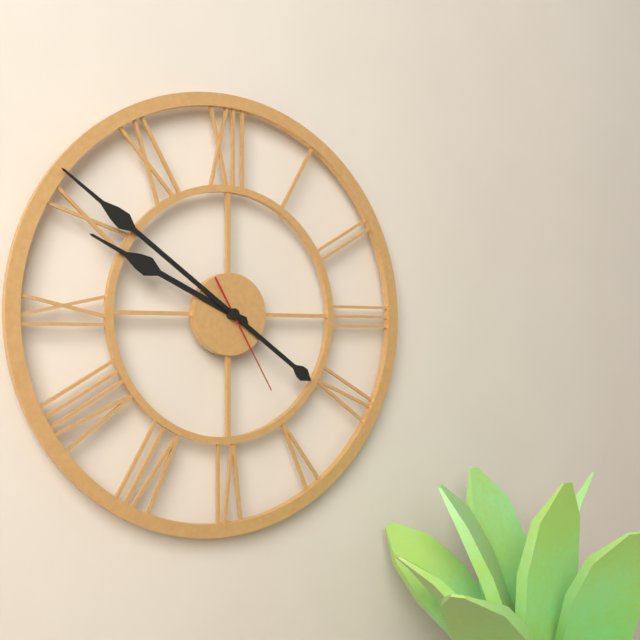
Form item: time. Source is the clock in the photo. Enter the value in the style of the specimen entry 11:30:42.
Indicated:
9:51:25
